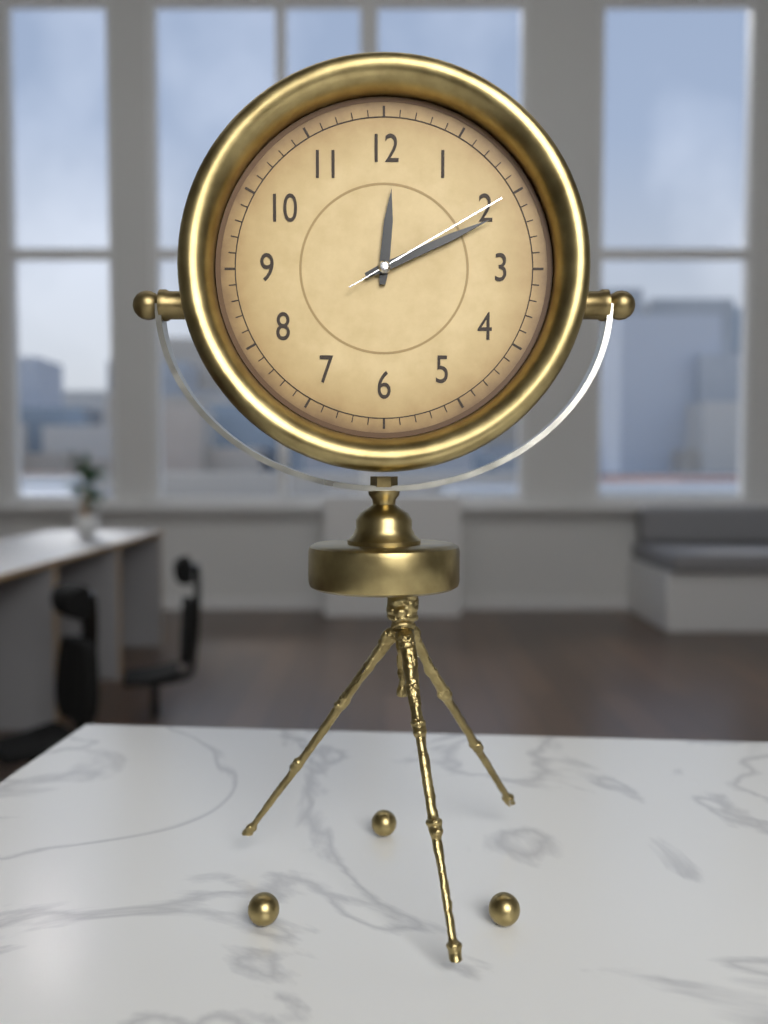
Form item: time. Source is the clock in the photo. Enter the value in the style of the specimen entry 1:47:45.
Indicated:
12:11:10
